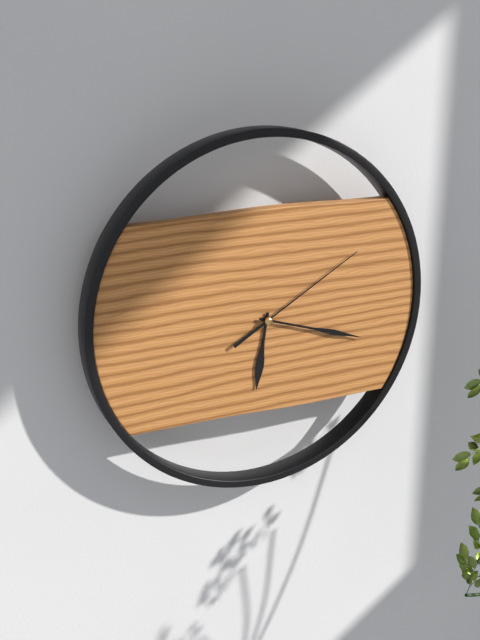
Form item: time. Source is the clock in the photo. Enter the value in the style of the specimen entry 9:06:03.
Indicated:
6:18:10
